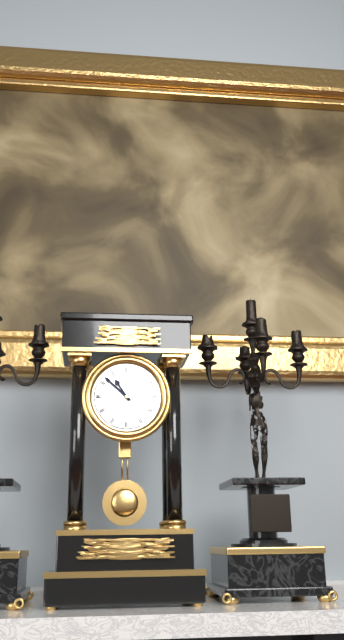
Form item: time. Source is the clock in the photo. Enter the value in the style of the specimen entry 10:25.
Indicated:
10:52
